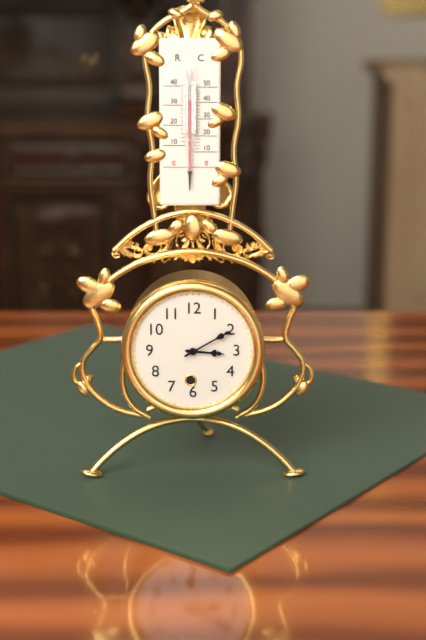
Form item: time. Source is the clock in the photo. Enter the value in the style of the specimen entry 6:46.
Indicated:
3:10
